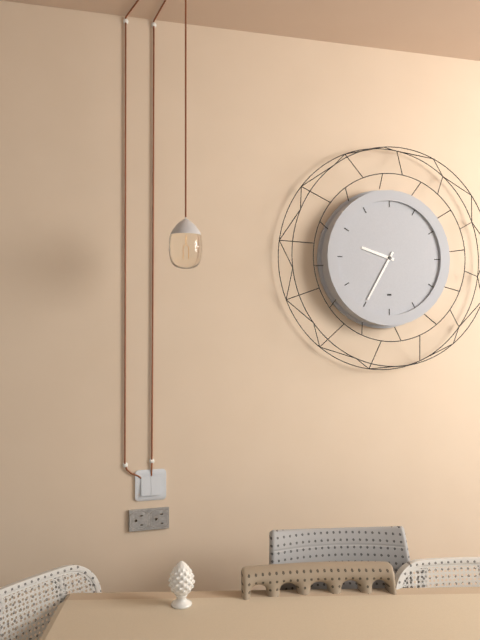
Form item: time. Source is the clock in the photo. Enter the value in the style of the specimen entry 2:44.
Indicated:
9:35
